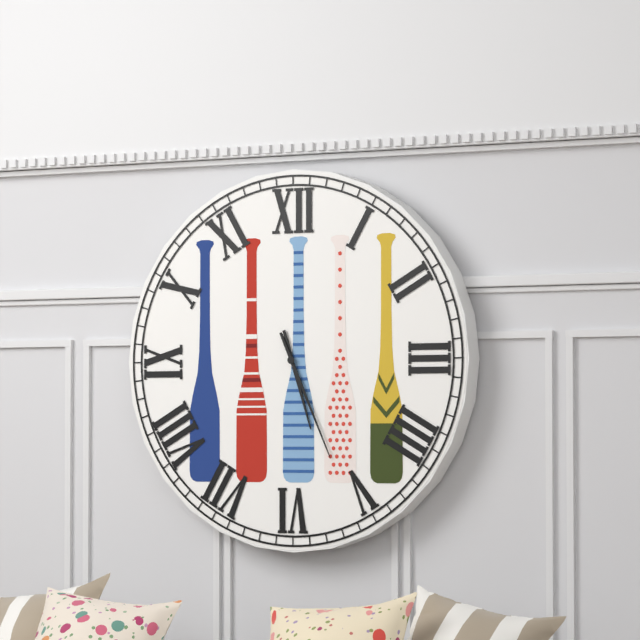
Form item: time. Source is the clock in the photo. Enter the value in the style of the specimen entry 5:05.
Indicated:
5:26
